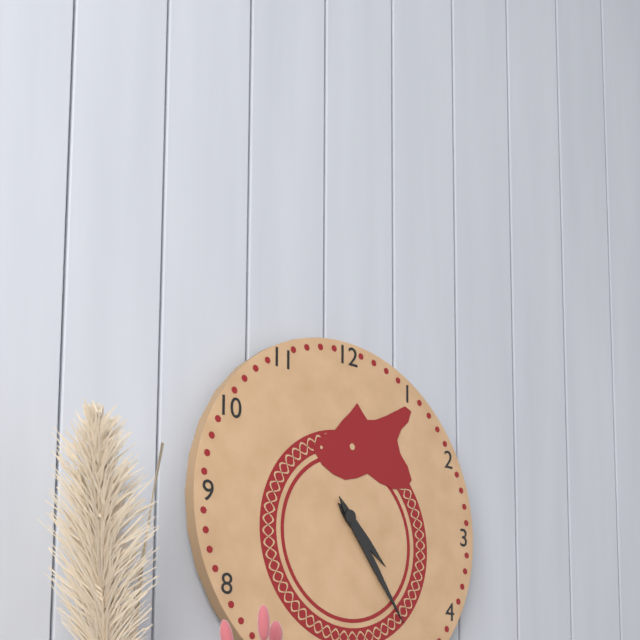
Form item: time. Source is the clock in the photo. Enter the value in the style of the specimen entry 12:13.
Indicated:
4:24
